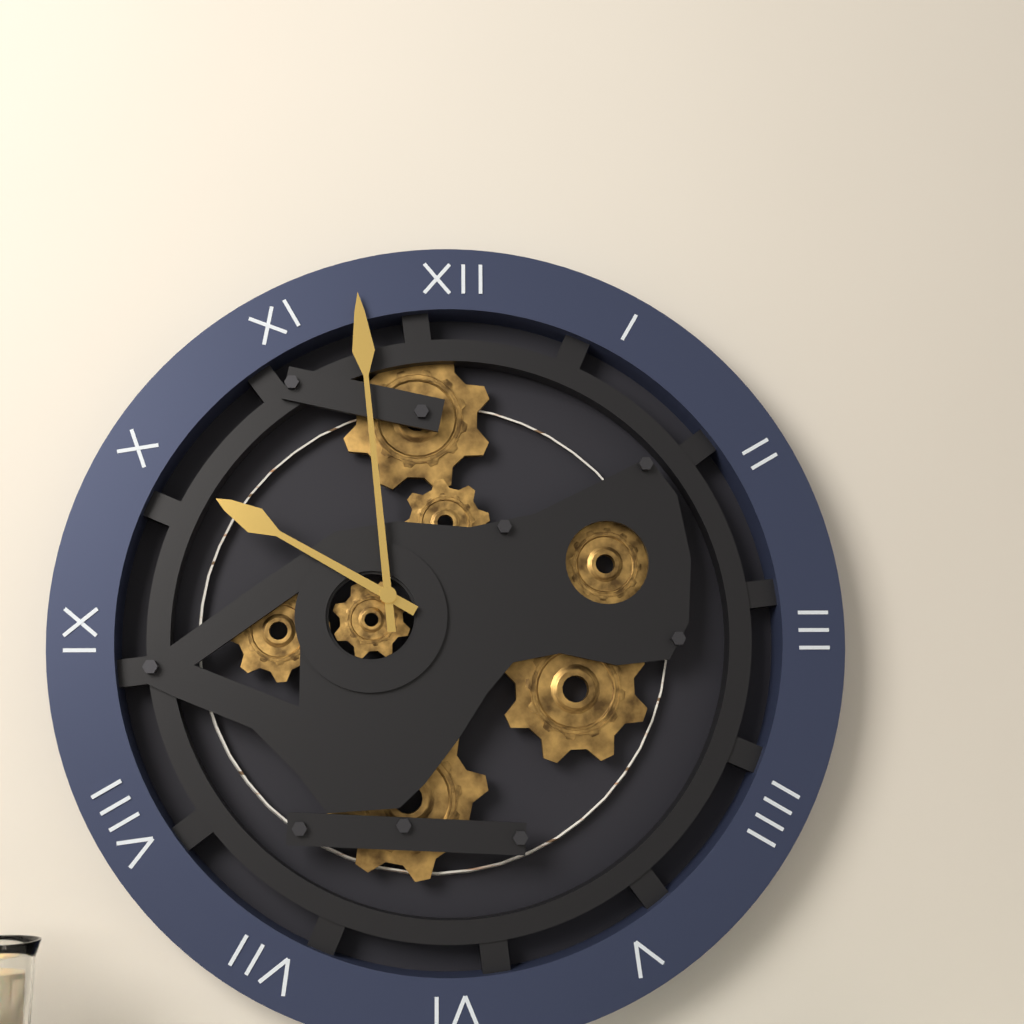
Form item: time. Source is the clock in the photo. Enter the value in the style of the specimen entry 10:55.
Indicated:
9:59
